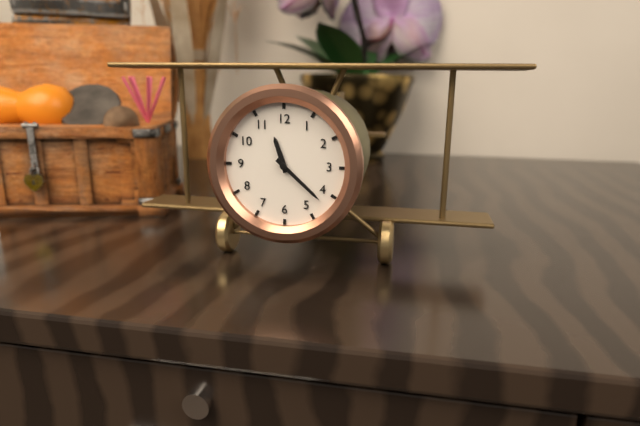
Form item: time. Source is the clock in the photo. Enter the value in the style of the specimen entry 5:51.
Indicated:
11:22
